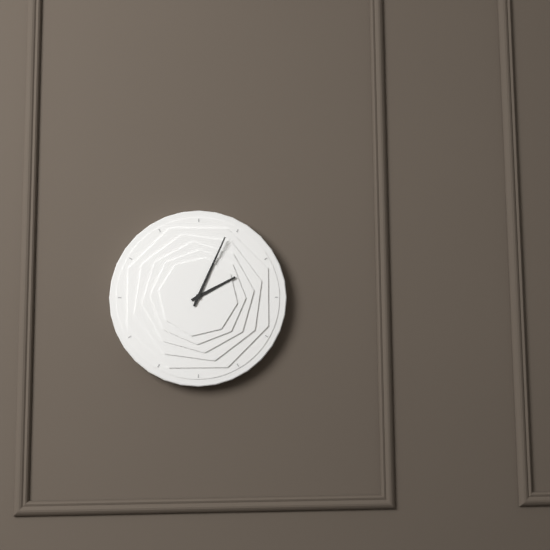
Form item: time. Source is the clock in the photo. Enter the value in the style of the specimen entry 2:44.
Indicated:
2:04
